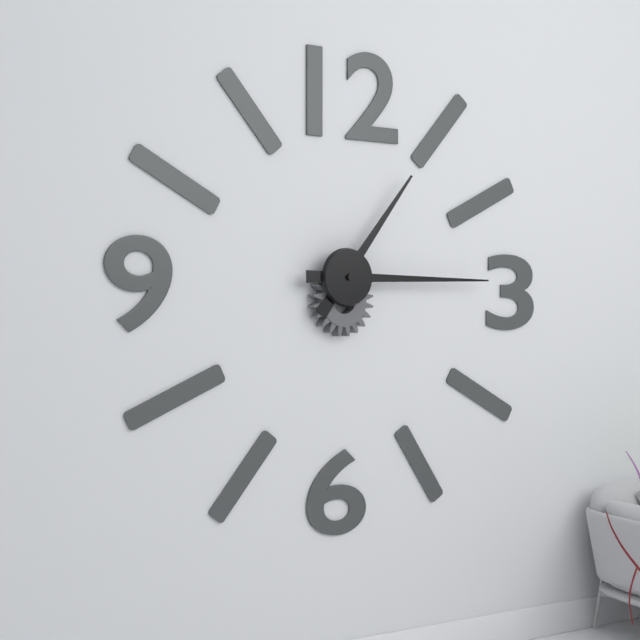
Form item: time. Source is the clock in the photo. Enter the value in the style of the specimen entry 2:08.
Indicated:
1:15
